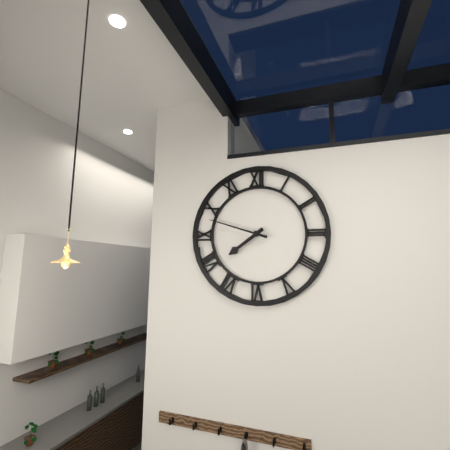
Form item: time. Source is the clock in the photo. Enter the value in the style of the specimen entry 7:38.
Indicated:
7:48
